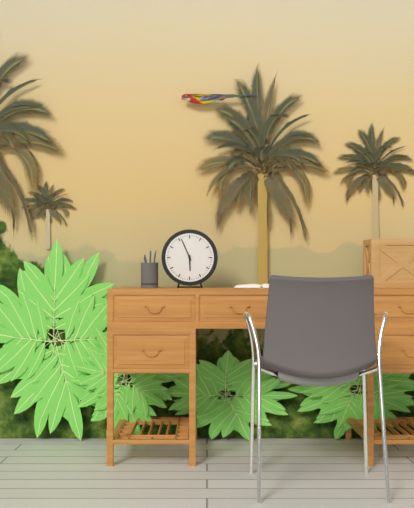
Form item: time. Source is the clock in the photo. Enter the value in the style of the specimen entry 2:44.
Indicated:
5:56
